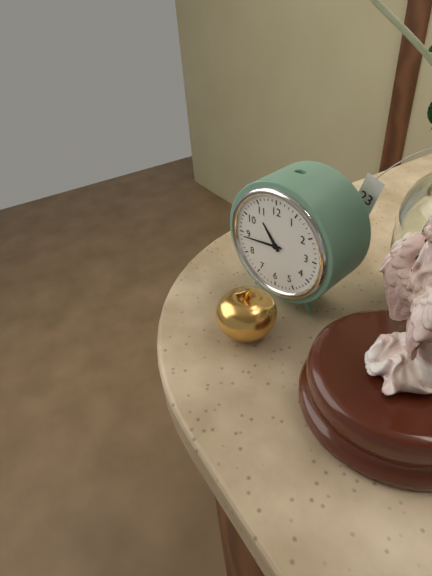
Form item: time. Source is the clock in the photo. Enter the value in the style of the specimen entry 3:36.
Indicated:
10:44
